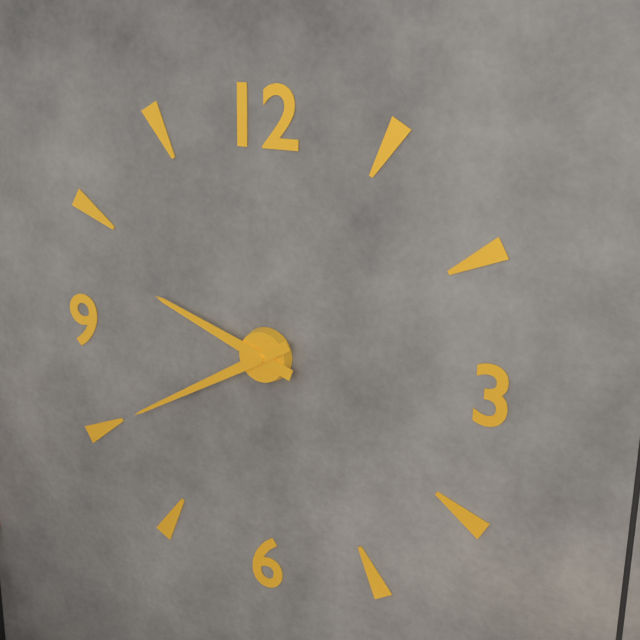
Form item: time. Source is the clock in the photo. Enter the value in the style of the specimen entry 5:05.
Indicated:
9:40
